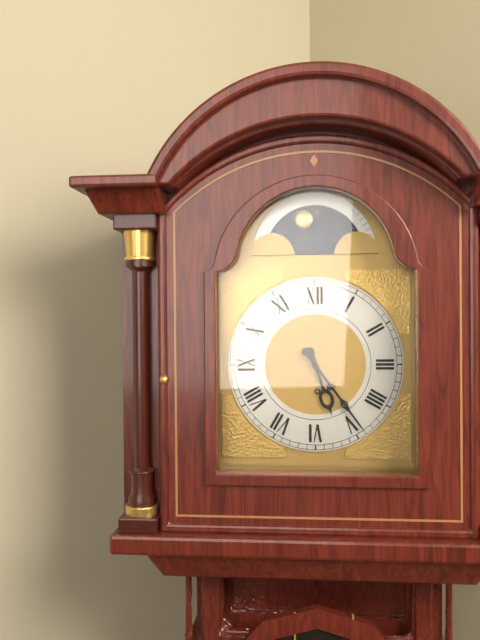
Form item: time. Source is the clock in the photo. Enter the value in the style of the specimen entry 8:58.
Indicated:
5:24
